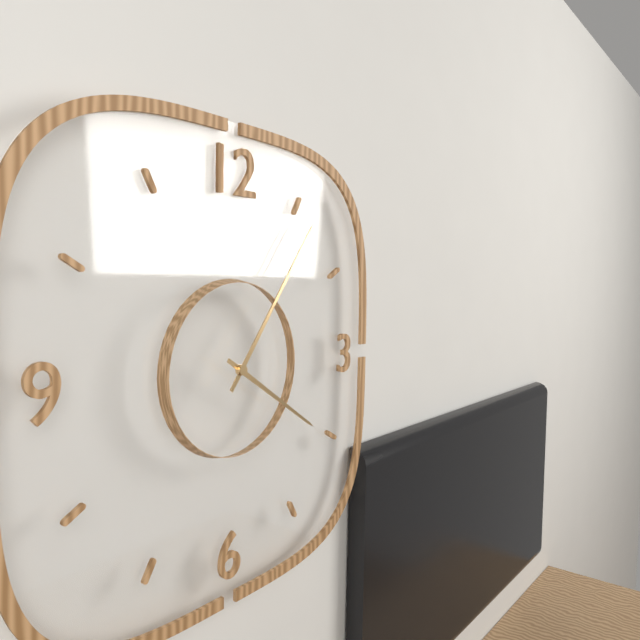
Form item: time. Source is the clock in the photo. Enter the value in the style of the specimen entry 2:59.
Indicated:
4:06
